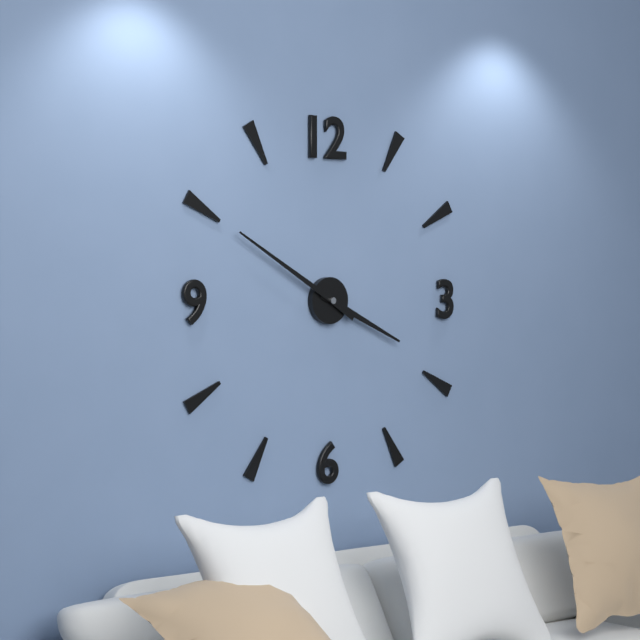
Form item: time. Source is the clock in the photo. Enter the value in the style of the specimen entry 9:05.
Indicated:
3:50
